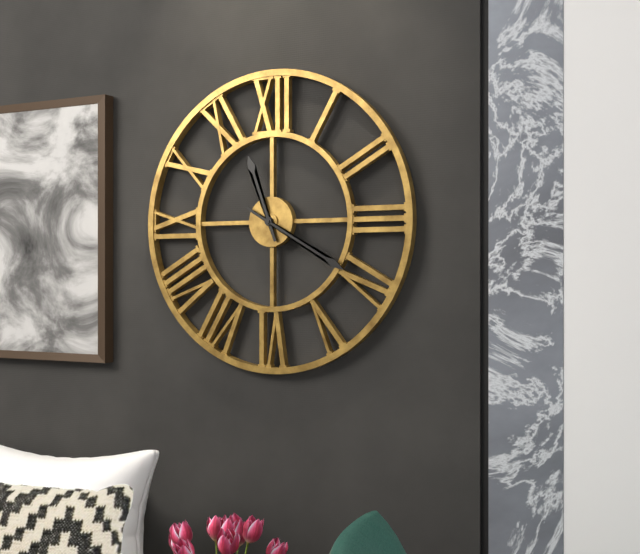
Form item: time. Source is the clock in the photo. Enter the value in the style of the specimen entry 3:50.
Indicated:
11:20
